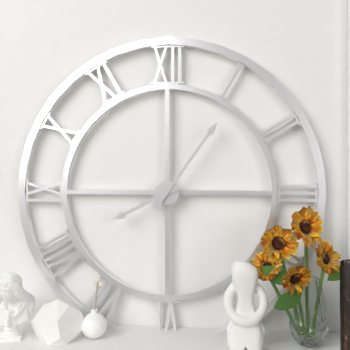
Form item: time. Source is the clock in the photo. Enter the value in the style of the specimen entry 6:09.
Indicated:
8:06
